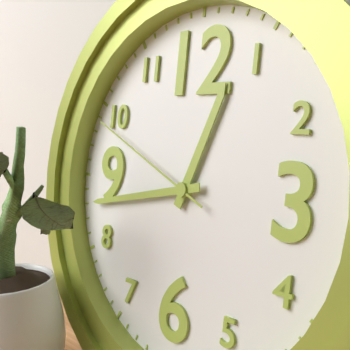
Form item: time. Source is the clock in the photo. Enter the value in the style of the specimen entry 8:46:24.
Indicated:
12:43:49
